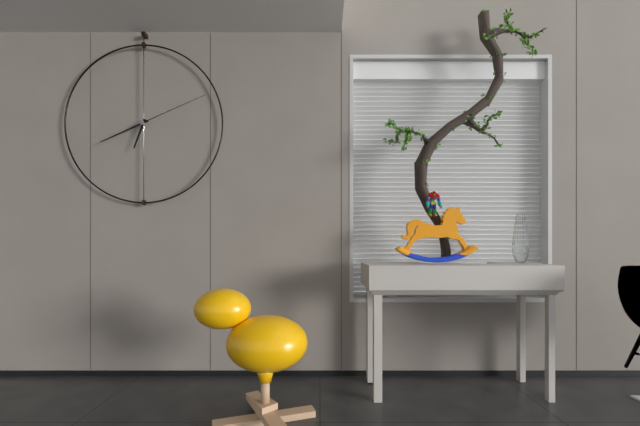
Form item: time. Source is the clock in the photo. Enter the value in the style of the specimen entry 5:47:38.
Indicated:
6:41:11
